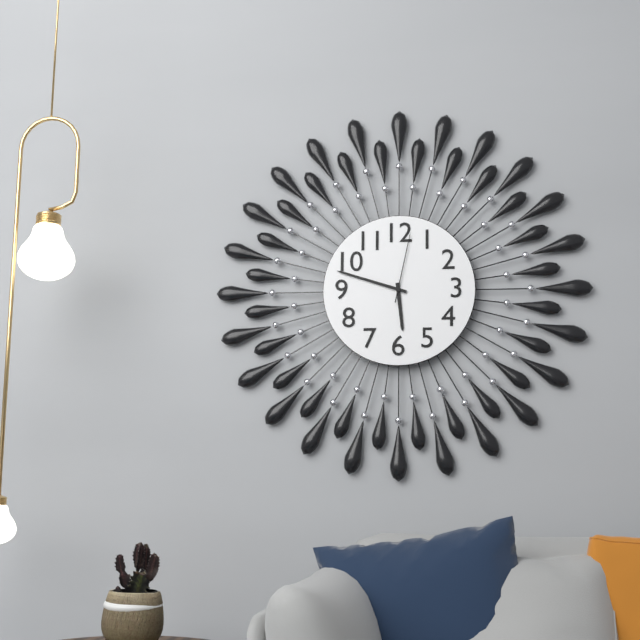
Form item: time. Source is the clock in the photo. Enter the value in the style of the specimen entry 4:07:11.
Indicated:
5:48:02
